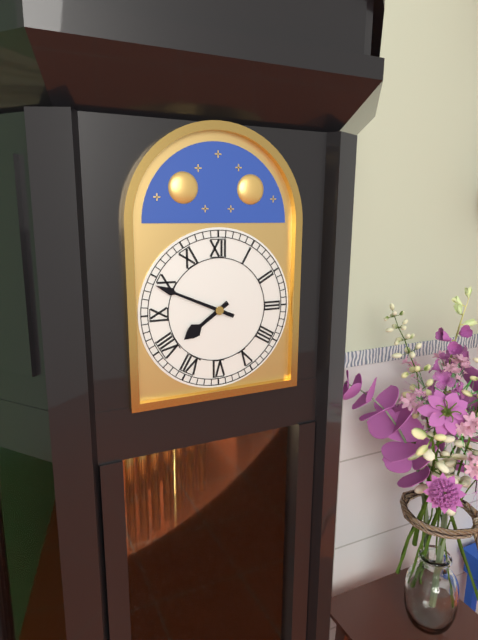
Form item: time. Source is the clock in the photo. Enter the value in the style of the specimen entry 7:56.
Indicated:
7:49
